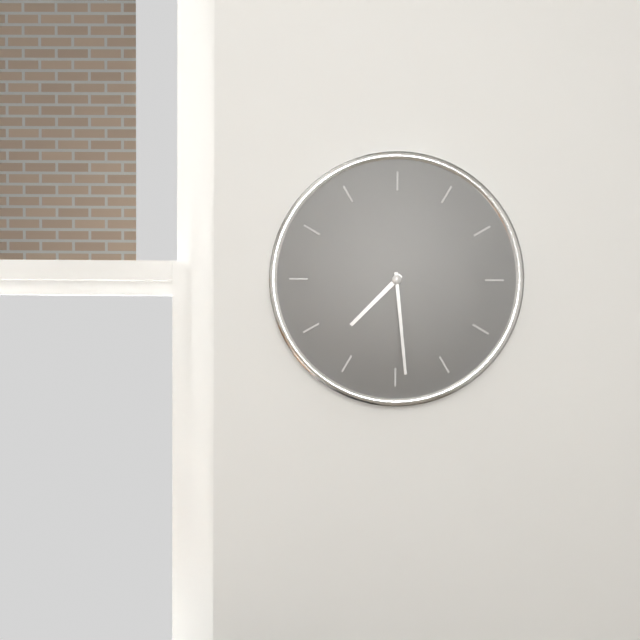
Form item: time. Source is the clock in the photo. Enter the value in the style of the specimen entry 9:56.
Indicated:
7:29
